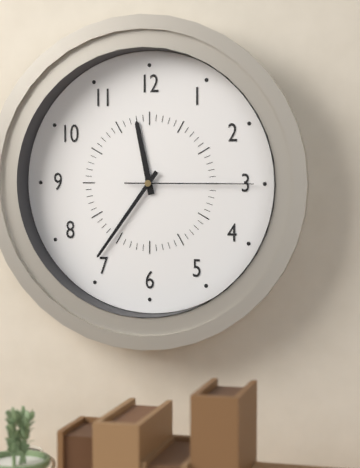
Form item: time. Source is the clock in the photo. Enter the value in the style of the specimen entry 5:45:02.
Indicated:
11:36:15
